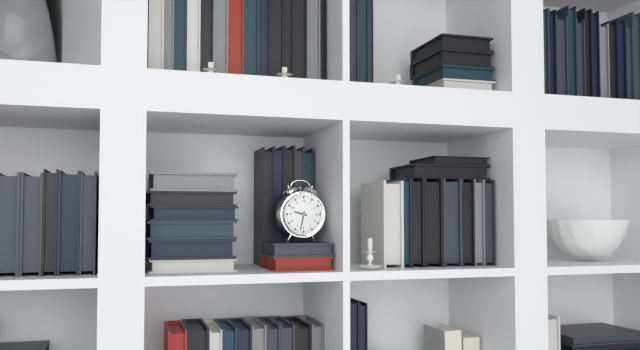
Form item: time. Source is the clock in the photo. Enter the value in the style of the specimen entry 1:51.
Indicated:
9:32
